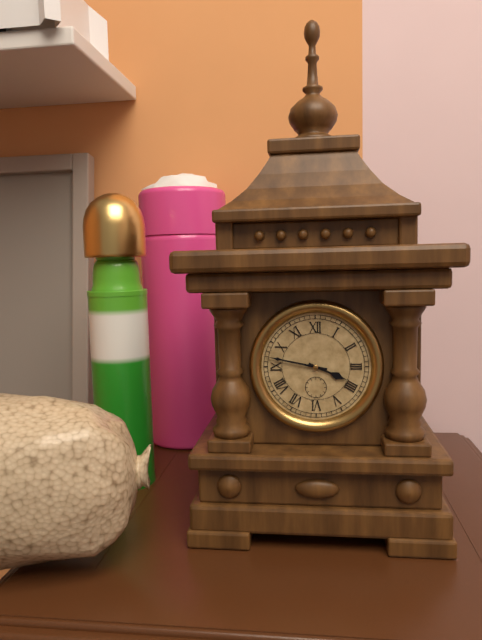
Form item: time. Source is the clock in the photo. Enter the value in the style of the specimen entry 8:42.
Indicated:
3:47
